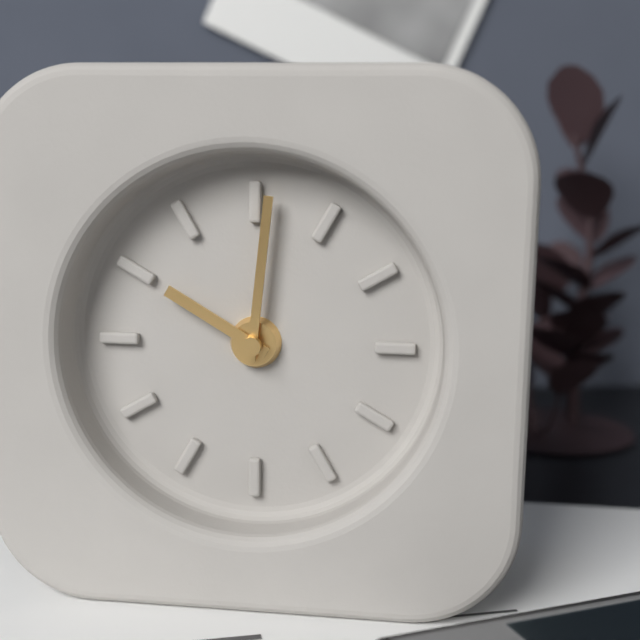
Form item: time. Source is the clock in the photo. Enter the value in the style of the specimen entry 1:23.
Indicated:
10:01
